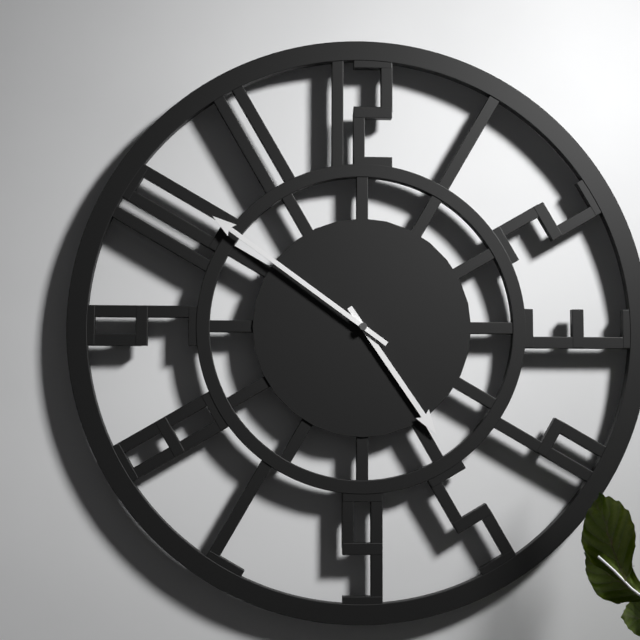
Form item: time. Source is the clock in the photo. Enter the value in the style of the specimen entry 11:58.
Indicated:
4:51
